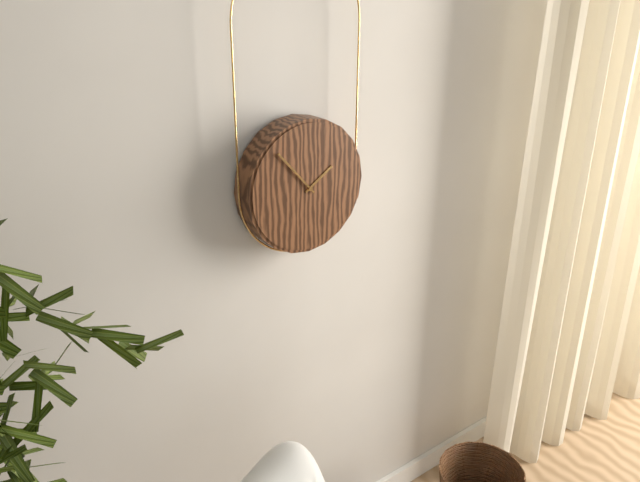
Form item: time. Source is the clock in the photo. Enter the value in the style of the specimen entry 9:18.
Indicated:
1:53
